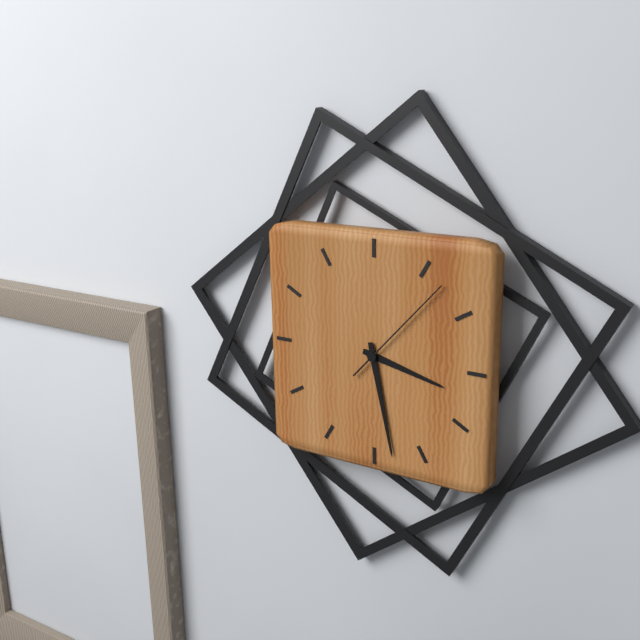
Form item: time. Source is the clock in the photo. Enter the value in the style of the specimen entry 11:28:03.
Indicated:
3:28:07
